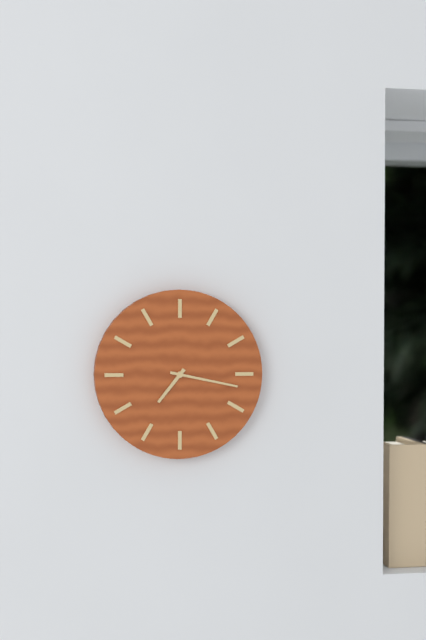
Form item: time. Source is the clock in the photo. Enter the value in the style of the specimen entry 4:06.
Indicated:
7:17
